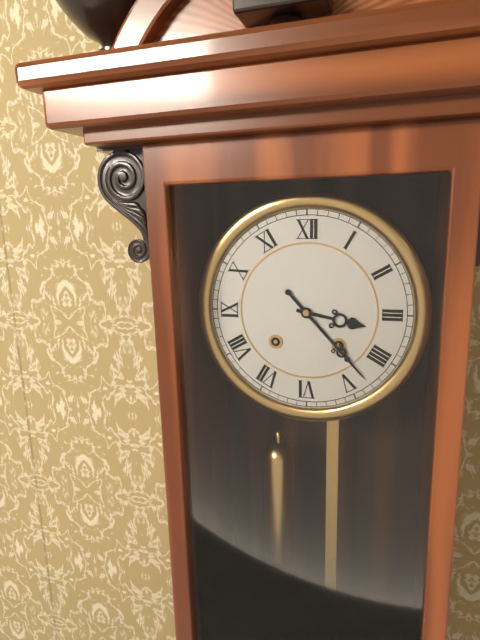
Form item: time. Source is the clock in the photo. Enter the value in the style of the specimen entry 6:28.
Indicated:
3:23
